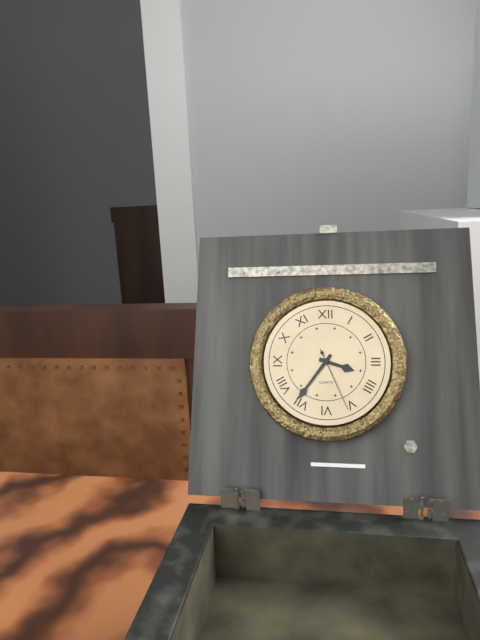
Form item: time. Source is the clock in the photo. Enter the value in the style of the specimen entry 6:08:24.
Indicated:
3:36:26
